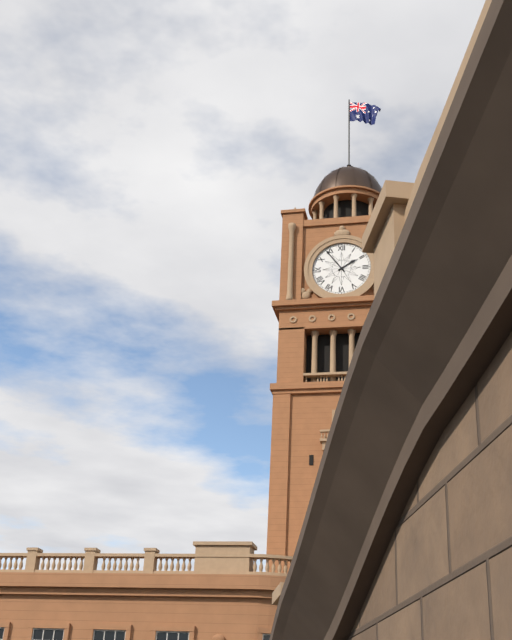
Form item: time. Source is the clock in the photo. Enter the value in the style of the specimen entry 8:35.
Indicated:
1:54
